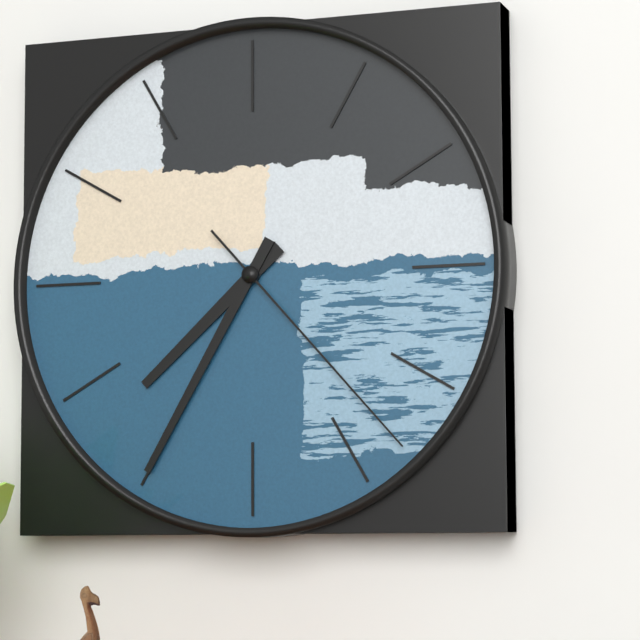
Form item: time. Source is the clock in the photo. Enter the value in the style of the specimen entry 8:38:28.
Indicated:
7:35:23
